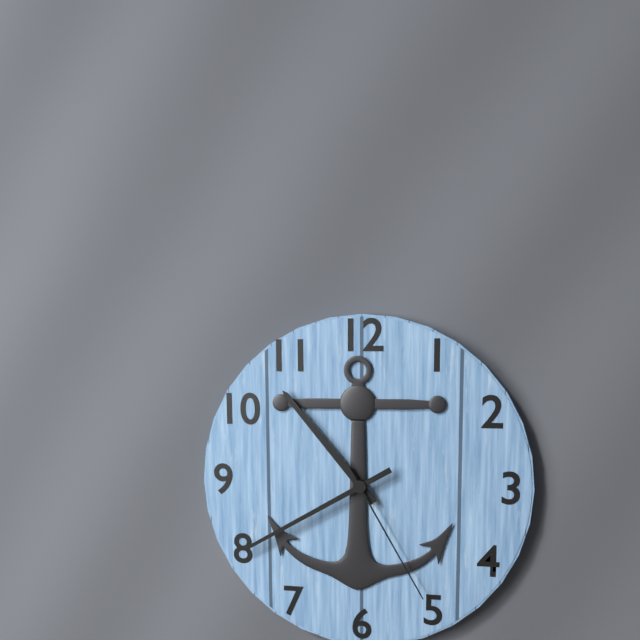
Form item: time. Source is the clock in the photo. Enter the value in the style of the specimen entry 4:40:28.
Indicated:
10:40:25
